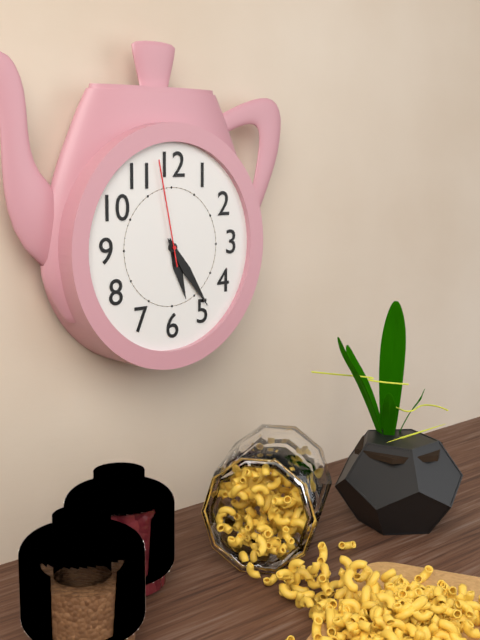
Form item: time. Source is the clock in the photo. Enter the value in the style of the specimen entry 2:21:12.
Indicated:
5:24:58
